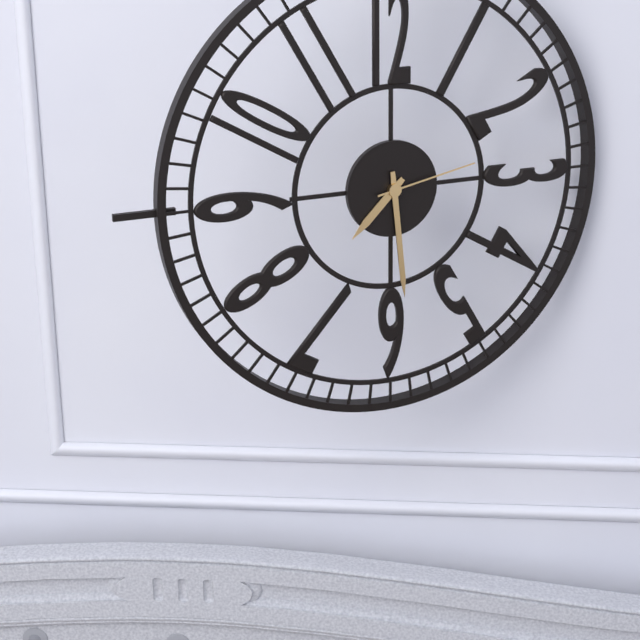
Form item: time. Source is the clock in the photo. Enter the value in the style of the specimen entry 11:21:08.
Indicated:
7:29:13
